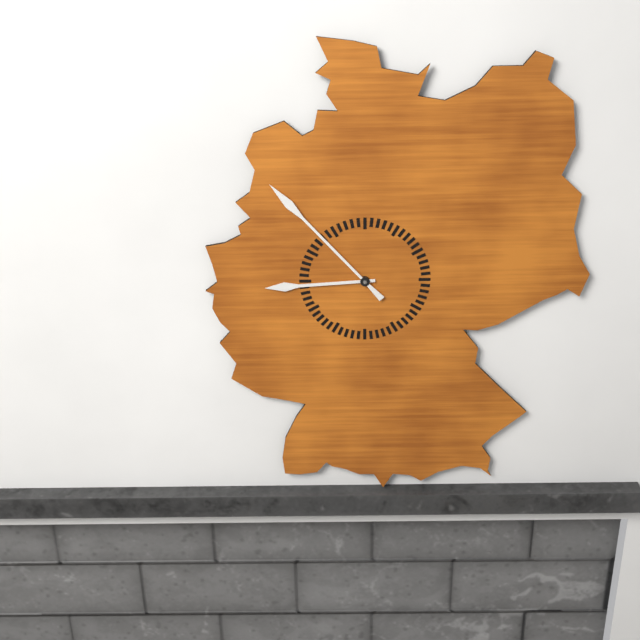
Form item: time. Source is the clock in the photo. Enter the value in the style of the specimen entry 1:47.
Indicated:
8:53
